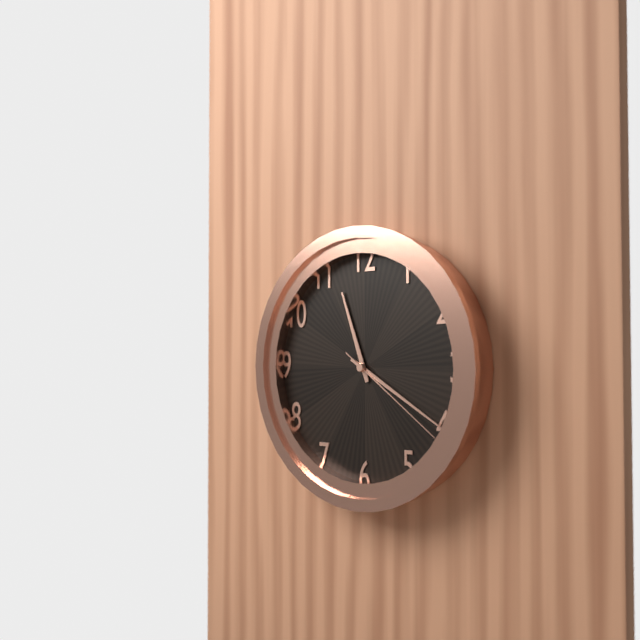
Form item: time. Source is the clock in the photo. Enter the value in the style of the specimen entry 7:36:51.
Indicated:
11:20:21
